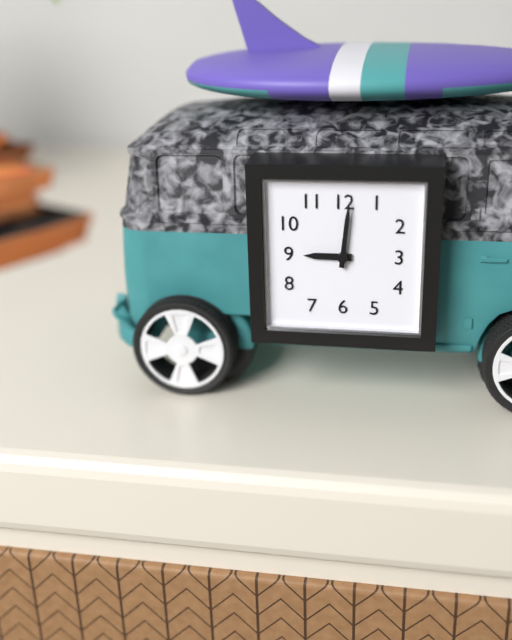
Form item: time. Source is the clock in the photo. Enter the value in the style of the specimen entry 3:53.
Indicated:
9:01
